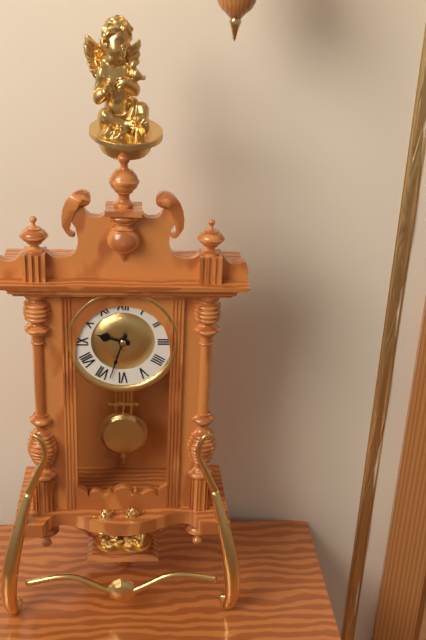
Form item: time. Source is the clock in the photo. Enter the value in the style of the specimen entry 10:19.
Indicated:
9:33
